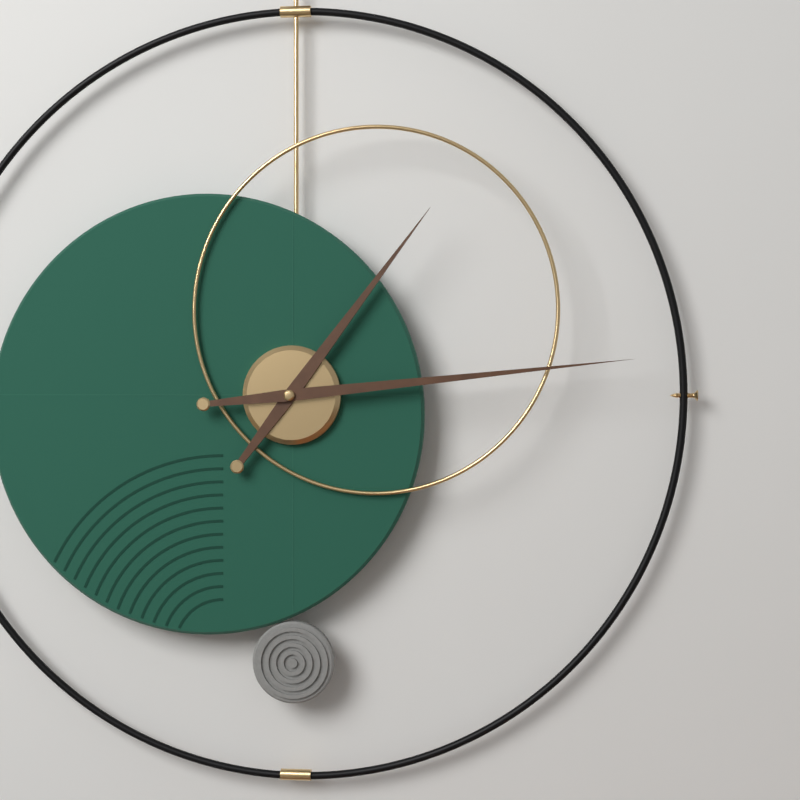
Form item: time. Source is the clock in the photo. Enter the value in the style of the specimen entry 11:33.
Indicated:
1:14
